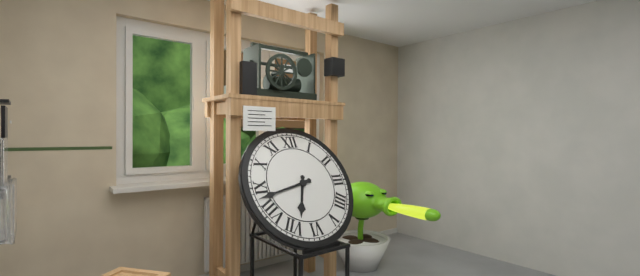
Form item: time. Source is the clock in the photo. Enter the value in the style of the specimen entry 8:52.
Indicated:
6:43
